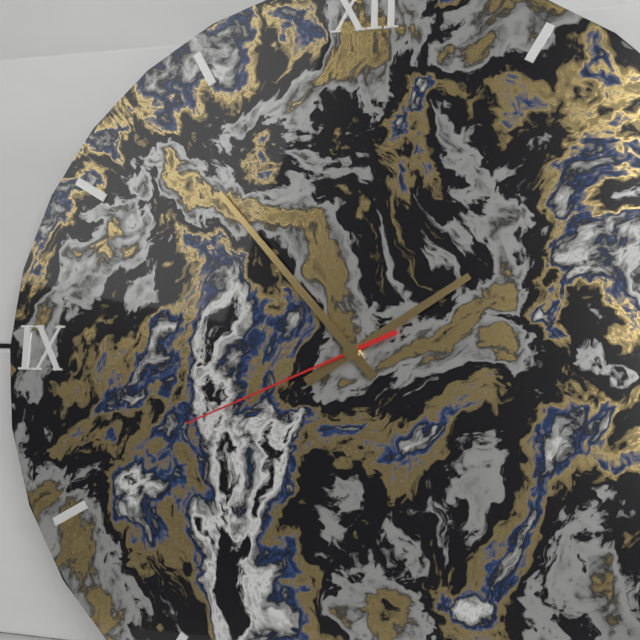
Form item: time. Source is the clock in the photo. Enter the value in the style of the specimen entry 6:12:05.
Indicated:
1:53:41
